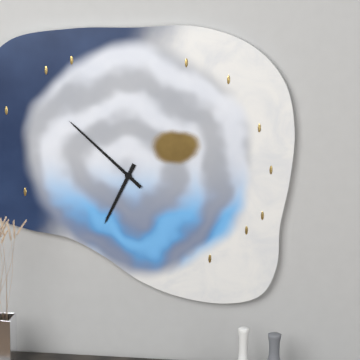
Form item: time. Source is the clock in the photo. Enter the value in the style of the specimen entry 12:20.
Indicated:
6:52
